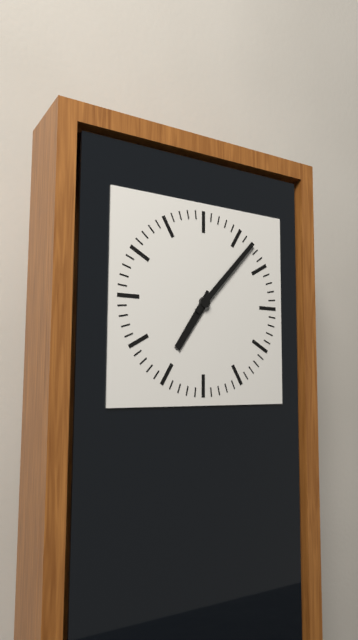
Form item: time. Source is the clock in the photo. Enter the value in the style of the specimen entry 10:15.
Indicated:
7:07
